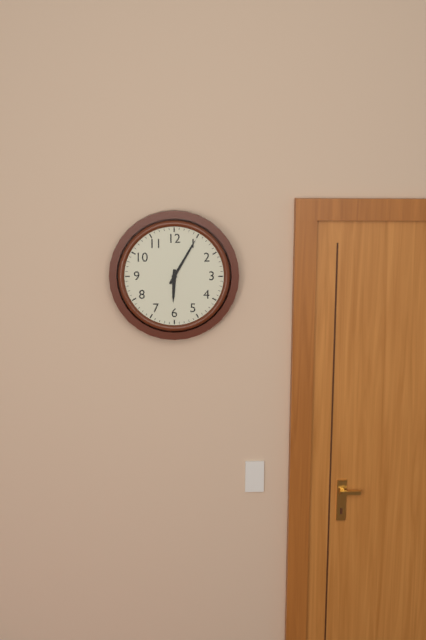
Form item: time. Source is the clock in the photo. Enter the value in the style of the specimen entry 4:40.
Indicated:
6:05
